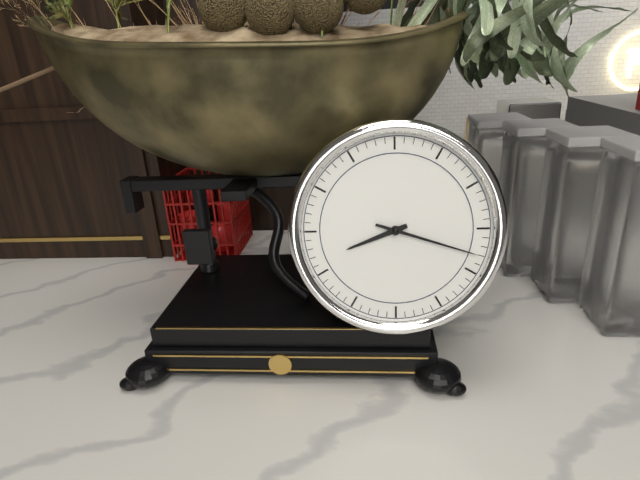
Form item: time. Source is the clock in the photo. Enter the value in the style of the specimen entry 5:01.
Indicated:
8:18
